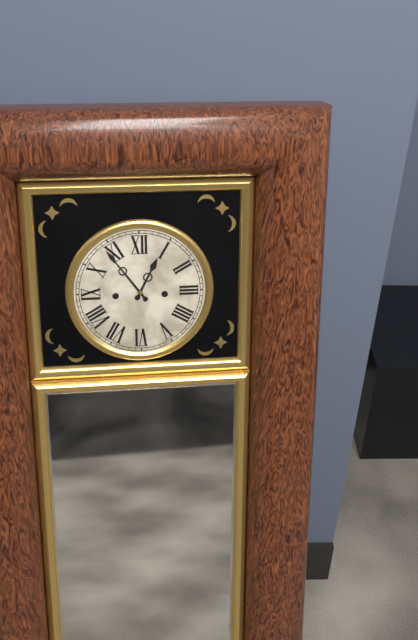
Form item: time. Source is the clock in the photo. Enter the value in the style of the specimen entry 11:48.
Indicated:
12:54
